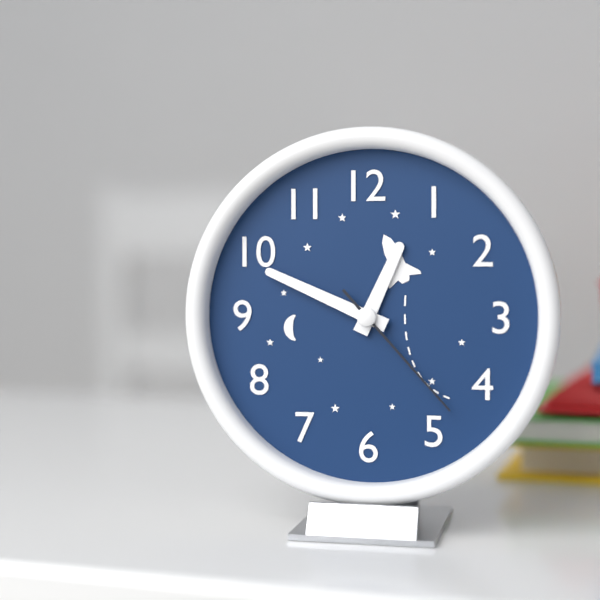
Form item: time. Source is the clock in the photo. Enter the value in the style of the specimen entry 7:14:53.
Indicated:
12:49:23
